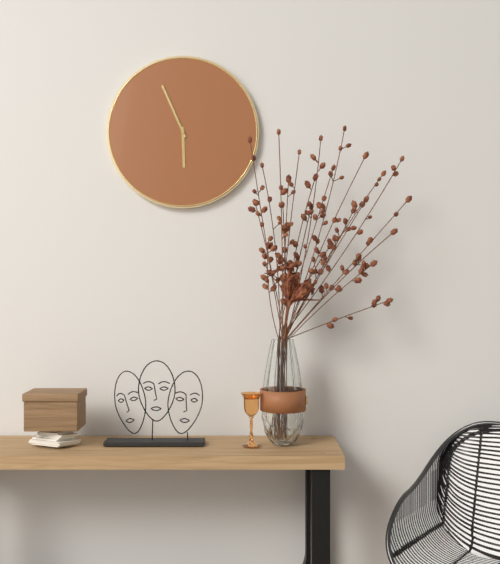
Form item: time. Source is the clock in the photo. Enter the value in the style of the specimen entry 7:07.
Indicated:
5:56
